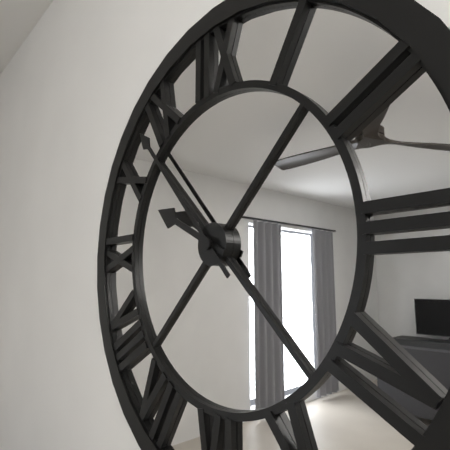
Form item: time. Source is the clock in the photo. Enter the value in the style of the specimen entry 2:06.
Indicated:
9:53
